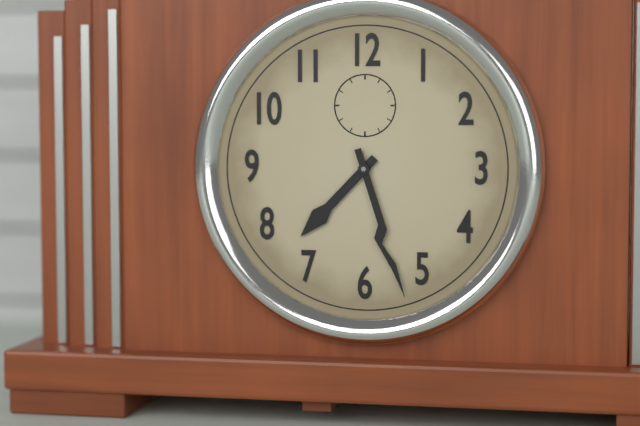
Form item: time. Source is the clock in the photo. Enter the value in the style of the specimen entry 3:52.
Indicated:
7:27
